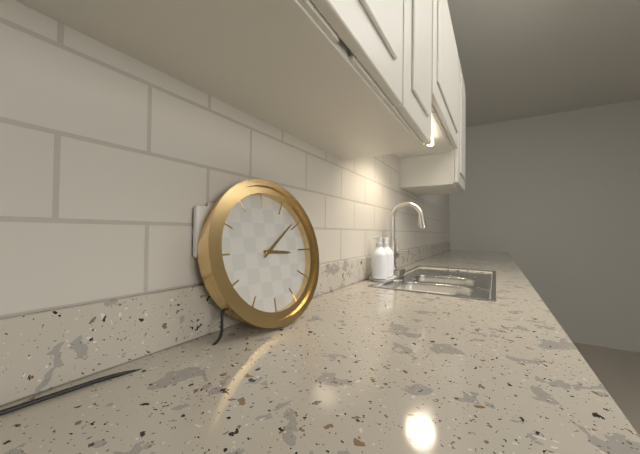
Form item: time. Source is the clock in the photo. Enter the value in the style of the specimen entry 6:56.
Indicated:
3:09
